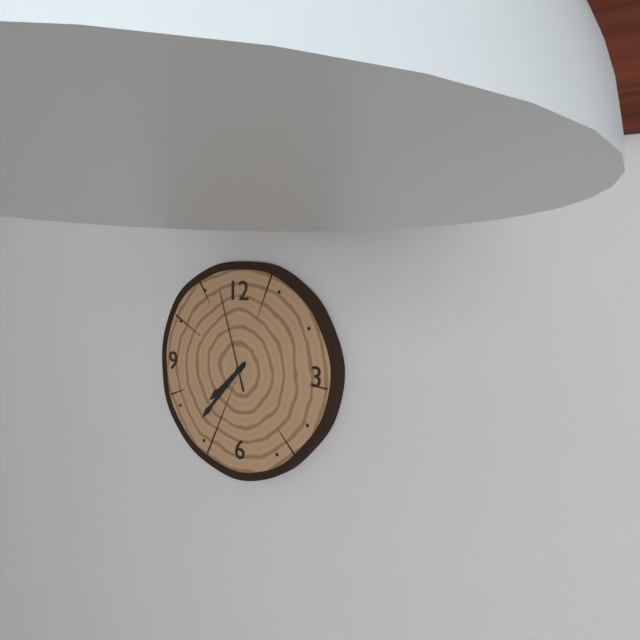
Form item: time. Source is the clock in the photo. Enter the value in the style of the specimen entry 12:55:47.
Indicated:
7:37:57
